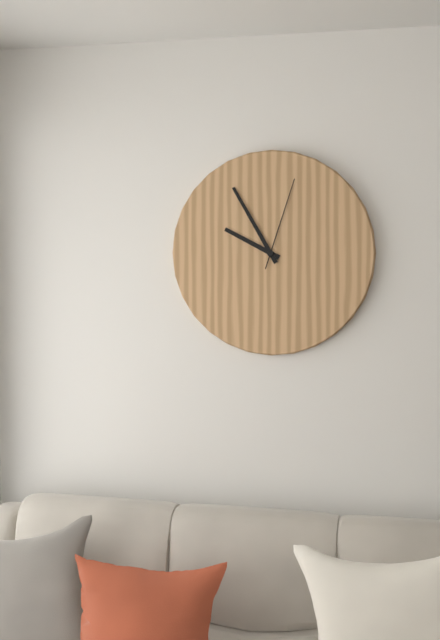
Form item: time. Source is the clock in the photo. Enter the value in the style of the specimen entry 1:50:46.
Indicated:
9:55:03
